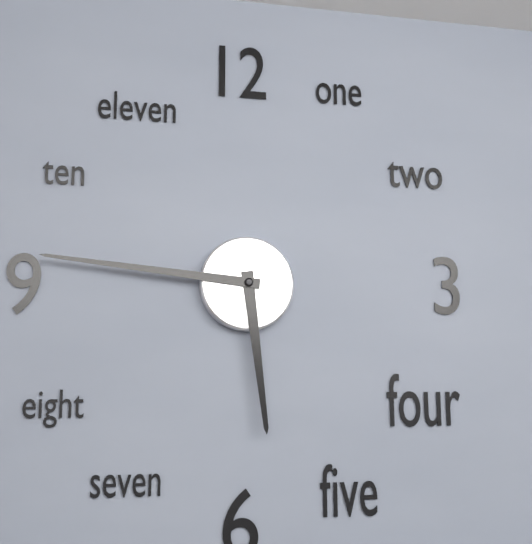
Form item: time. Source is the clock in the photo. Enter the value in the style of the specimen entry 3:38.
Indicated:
5:46
